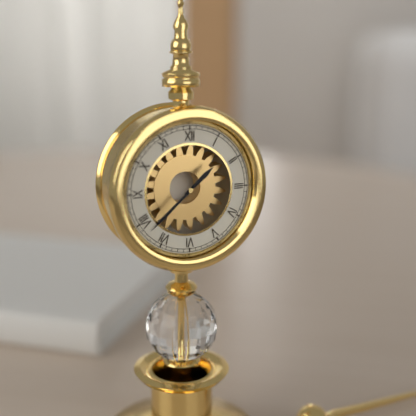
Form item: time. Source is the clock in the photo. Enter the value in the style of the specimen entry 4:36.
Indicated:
1:38
